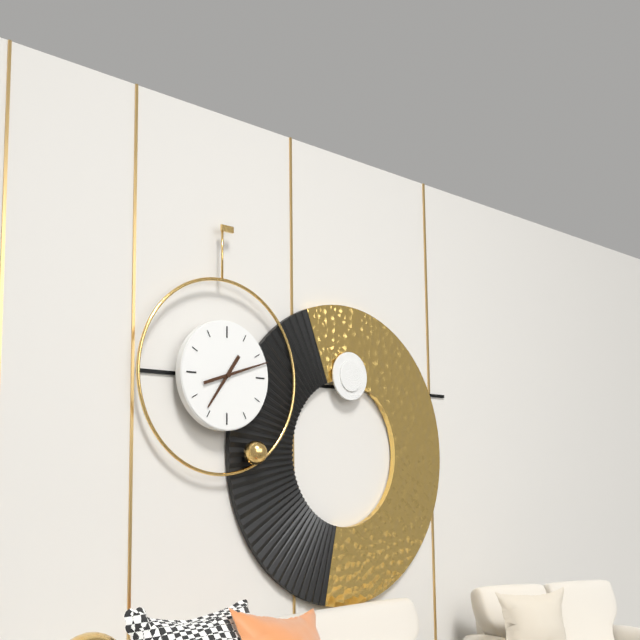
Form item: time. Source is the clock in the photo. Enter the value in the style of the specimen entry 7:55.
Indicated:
7:12
